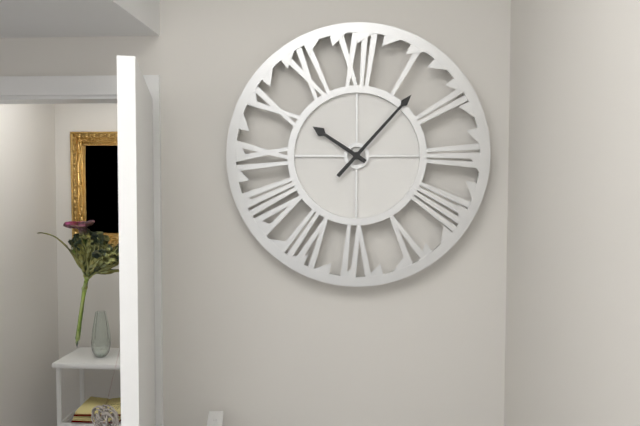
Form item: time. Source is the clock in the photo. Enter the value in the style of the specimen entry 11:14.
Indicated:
10:07
